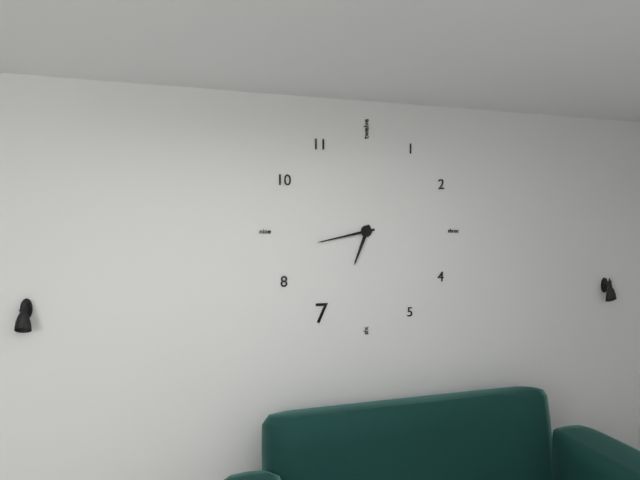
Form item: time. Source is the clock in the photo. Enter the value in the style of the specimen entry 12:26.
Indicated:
6:43
